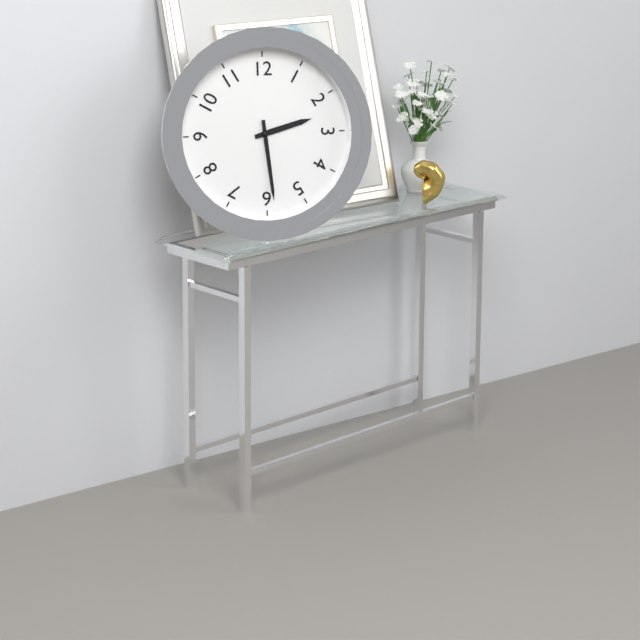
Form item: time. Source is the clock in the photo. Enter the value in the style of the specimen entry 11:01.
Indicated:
2:29
